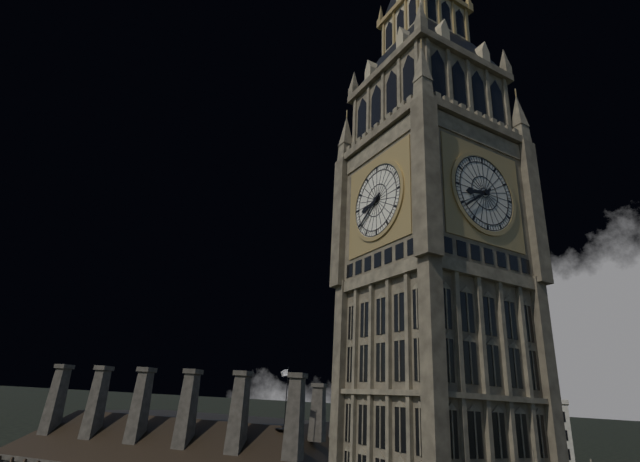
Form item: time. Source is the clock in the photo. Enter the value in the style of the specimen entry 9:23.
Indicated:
8:39
